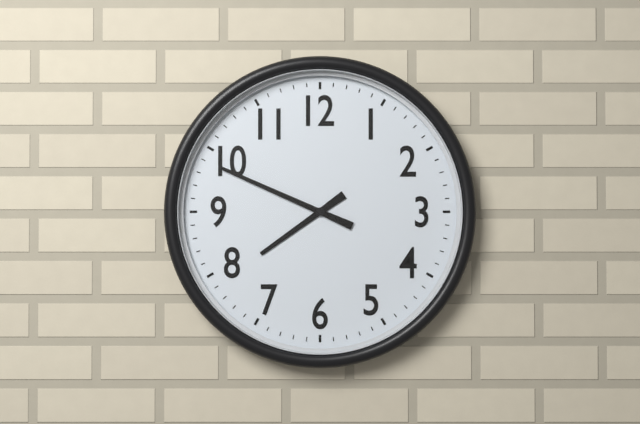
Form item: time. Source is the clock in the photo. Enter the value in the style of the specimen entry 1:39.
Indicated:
7:49
